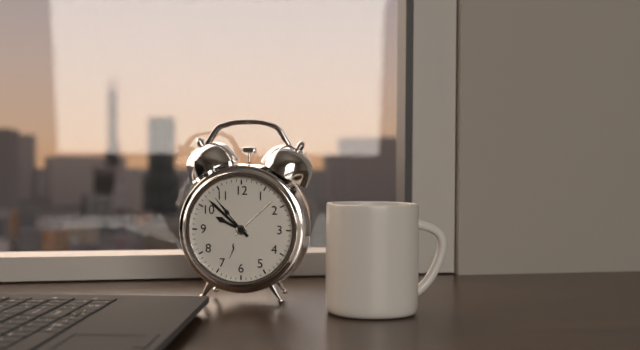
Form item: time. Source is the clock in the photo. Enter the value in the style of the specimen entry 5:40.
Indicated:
9:52
